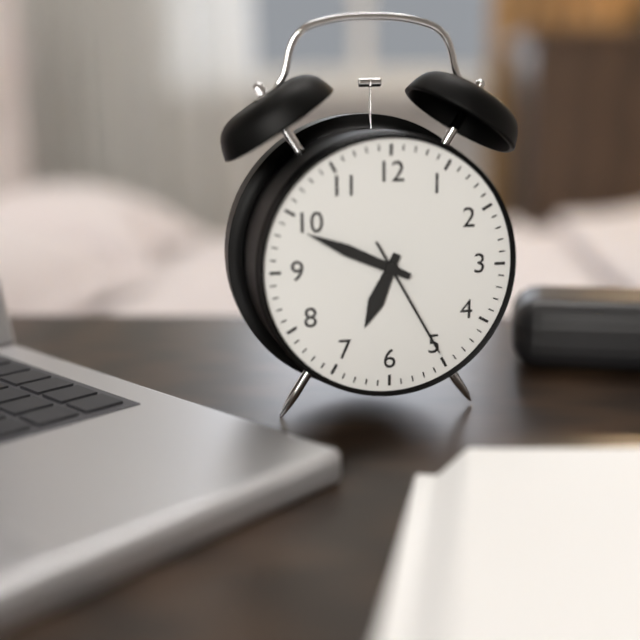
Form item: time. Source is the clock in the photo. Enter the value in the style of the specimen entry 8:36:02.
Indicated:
6:49:25
